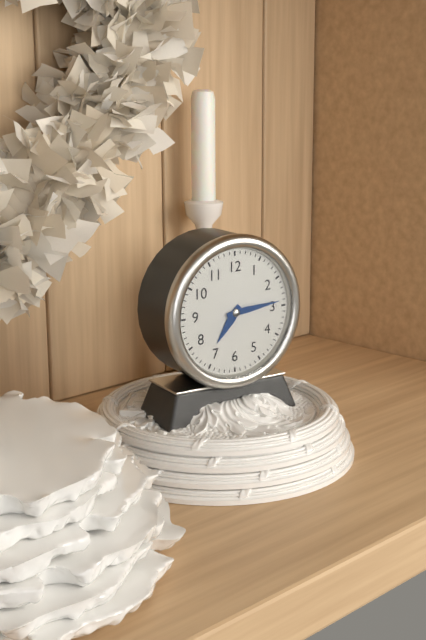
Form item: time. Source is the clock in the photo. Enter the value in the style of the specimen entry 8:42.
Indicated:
7:14
